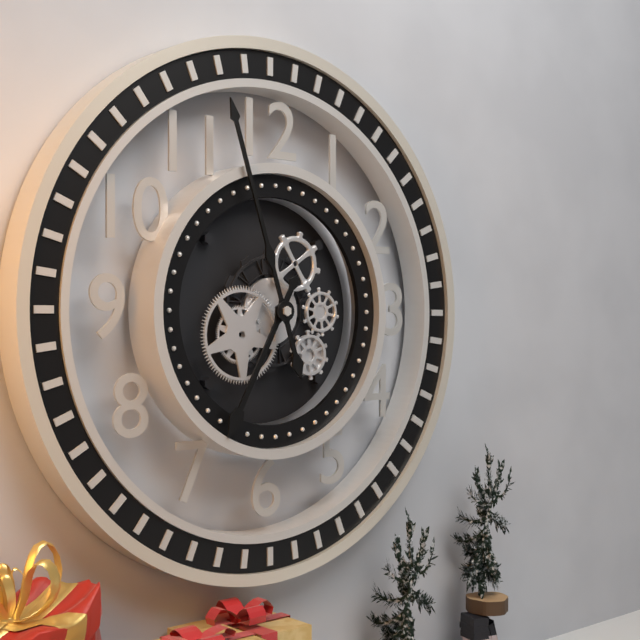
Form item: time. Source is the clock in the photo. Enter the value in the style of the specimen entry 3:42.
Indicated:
6:57
